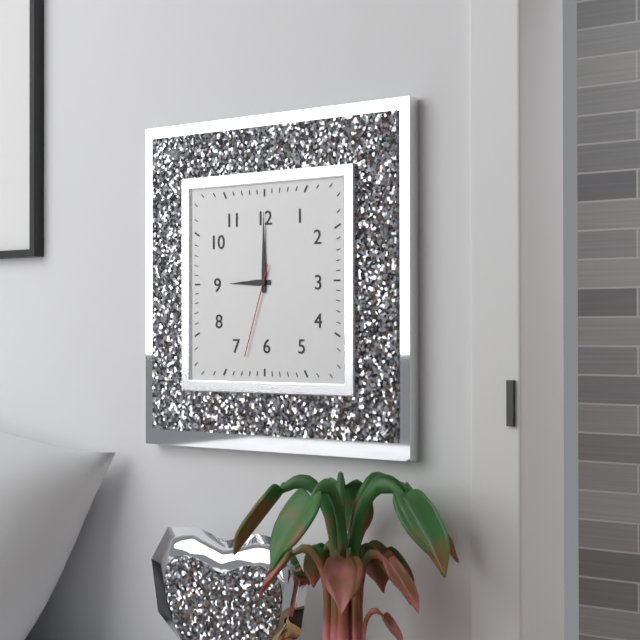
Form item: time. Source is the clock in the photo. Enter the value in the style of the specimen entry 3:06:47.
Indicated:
9:00:33
